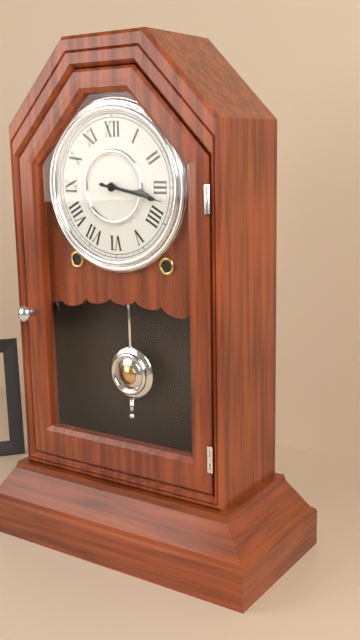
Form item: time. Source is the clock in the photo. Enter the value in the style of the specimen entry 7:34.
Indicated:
3:17
